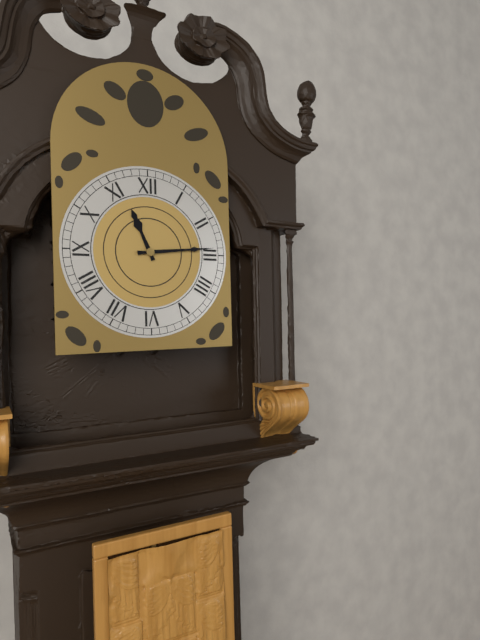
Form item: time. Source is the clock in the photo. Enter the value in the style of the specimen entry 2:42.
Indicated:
11:14
